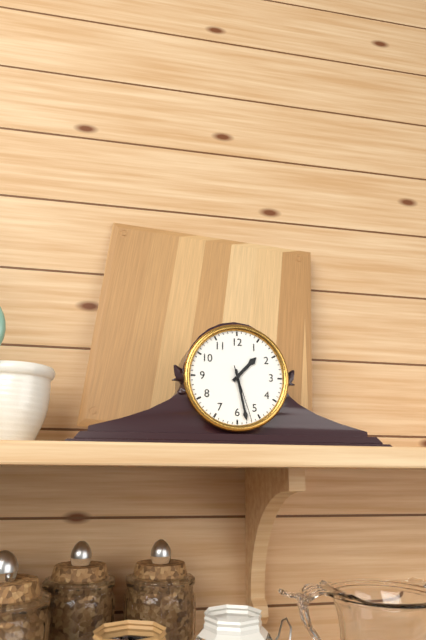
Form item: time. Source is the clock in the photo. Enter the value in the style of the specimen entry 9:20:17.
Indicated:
1:28:27
